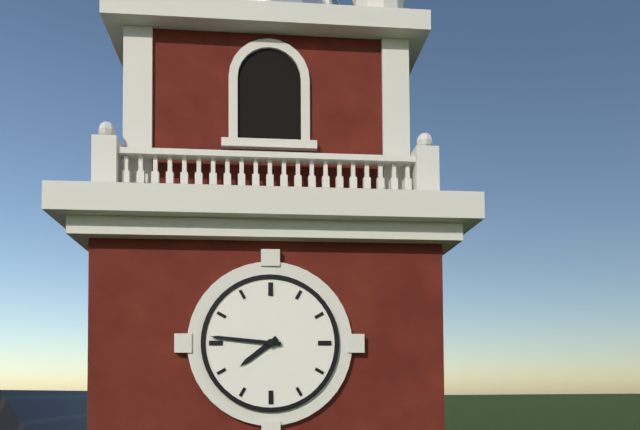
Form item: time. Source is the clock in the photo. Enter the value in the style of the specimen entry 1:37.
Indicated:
7:46
